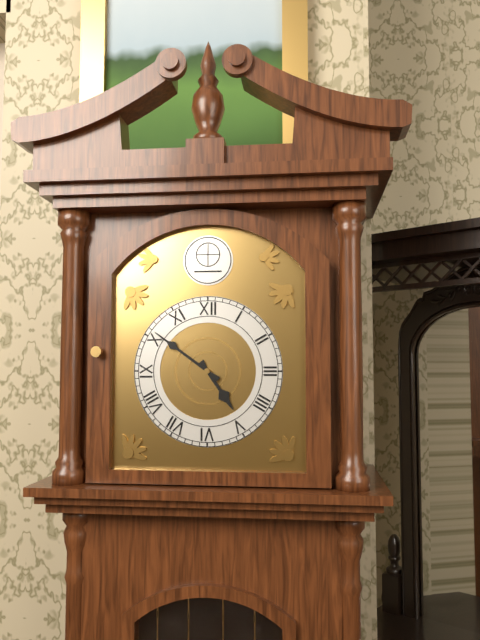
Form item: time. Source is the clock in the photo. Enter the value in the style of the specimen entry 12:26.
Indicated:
4:51
